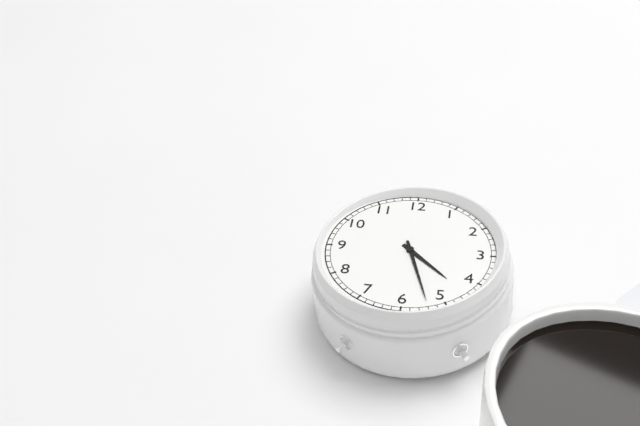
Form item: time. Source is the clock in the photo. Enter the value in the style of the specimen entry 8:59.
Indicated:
4:27
